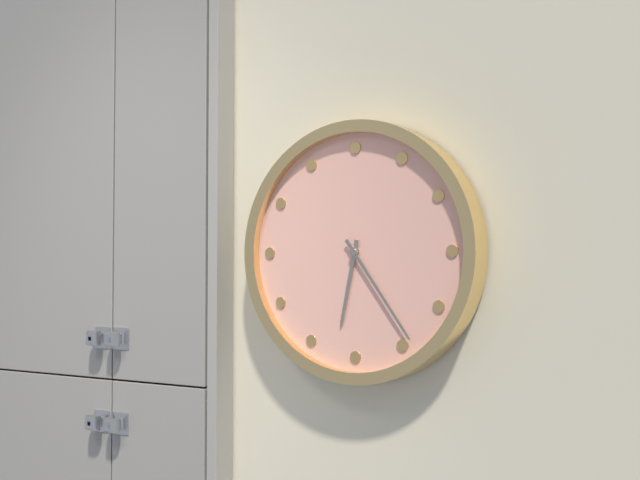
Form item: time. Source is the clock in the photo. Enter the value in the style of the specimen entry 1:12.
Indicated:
6:24
